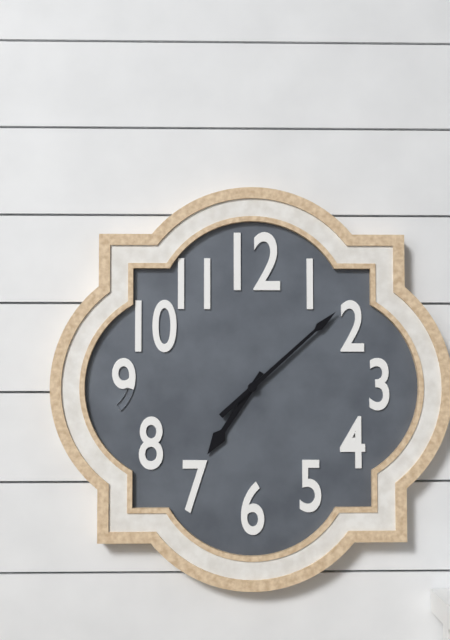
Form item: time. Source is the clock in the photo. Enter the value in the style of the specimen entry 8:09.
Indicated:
7:08
